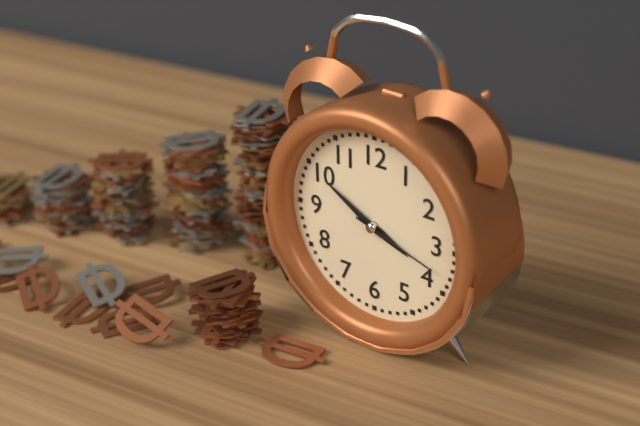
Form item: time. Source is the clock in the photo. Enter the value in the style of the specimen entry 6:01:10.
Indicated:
3:50:18
